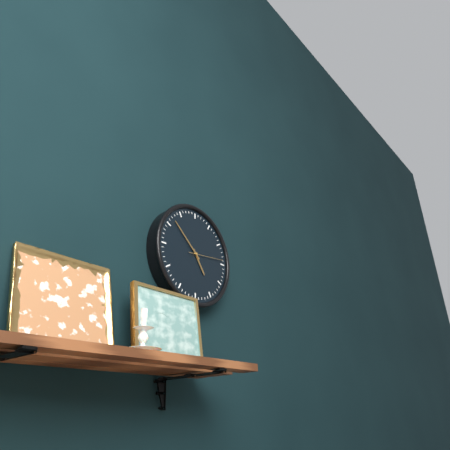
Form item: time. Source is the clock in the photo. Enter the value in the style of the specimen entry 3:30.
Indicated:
4:52
